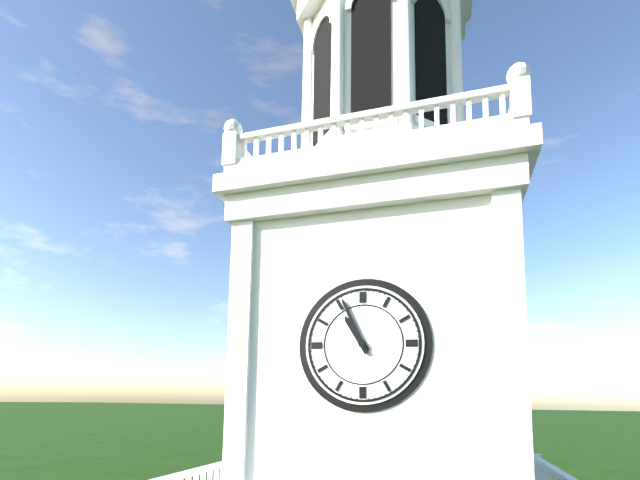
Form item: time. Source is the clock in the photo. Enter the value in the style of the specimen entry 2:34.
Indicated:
10:56
